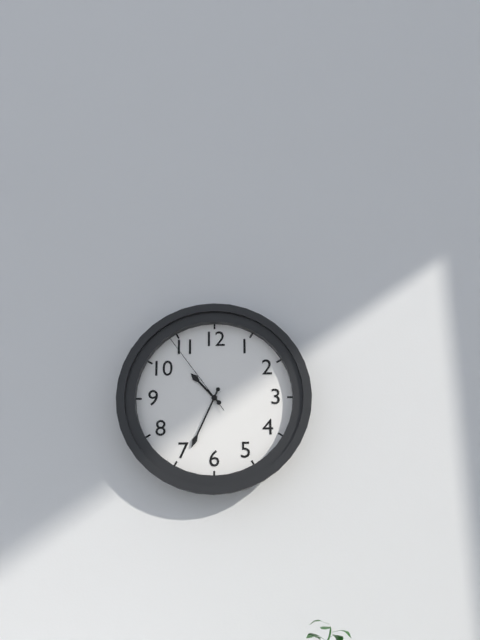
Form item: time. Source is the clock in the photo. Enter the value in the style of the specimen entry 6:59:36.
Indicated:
10:34:54
